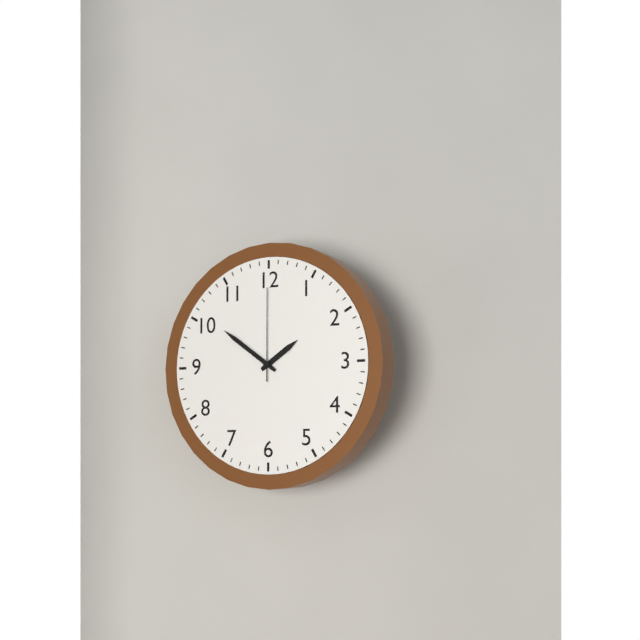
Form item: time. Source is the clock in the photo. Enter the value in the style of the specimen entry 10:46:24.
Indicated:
1:51:00
